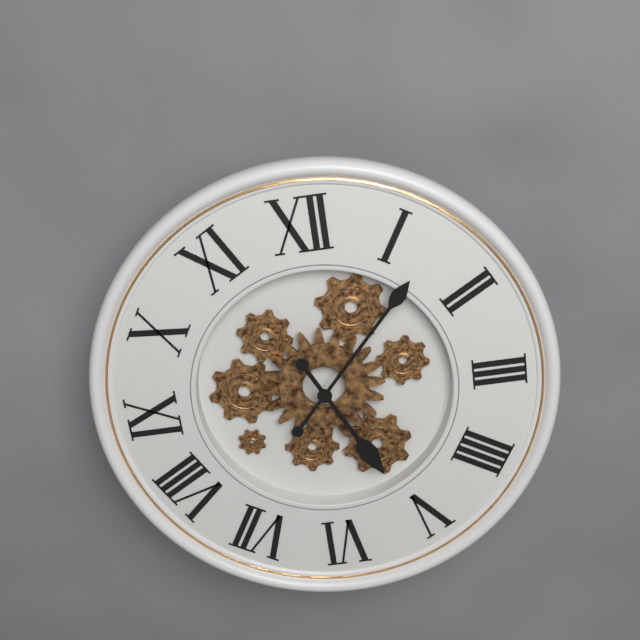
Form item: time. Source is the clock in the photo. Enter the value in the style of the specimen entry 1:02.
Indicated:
5:07
